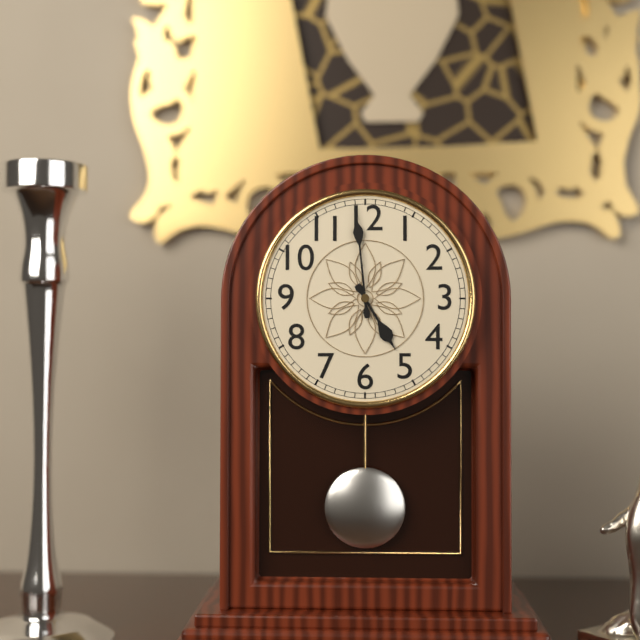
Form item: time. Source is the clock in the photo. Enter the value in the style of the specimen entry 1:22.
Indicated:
4:59
